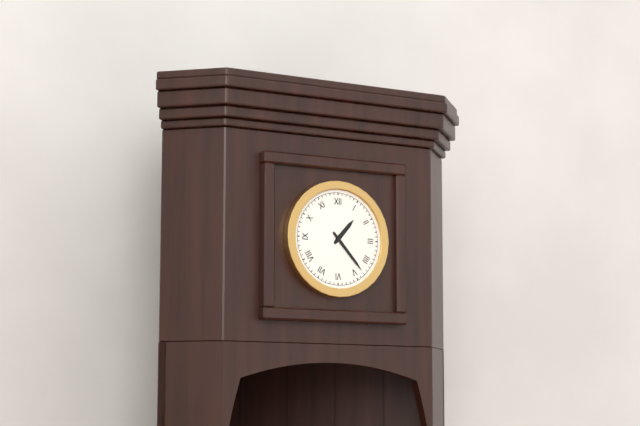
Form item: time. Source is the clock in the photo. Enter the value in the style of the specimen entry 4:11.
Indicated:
1:23
